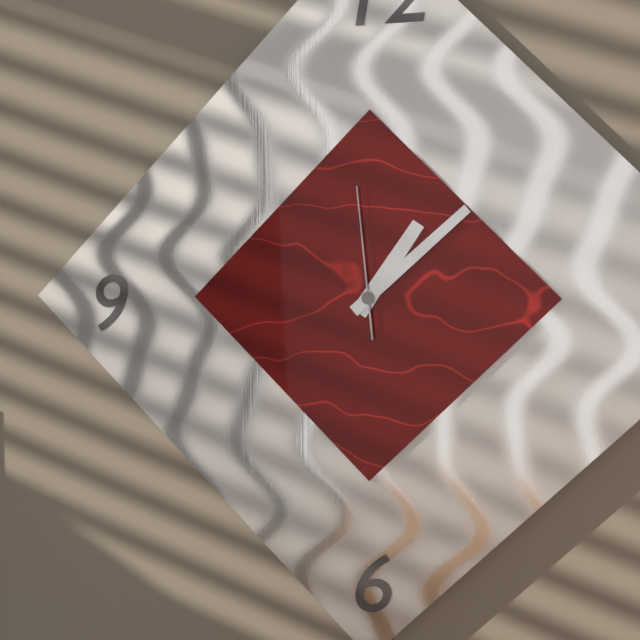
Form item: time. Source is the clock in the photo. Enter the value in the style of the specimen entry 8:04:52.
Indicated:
1:08:59
